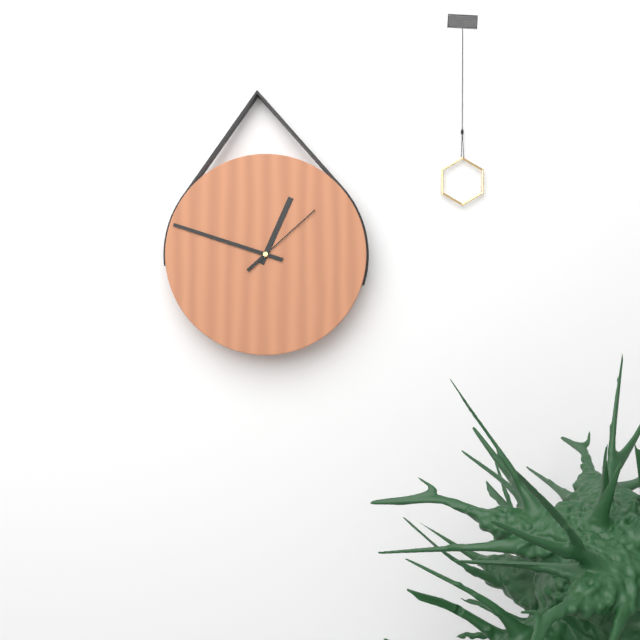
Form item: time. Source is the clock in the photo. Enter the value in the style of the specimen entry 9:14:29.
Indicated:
12:48:08
